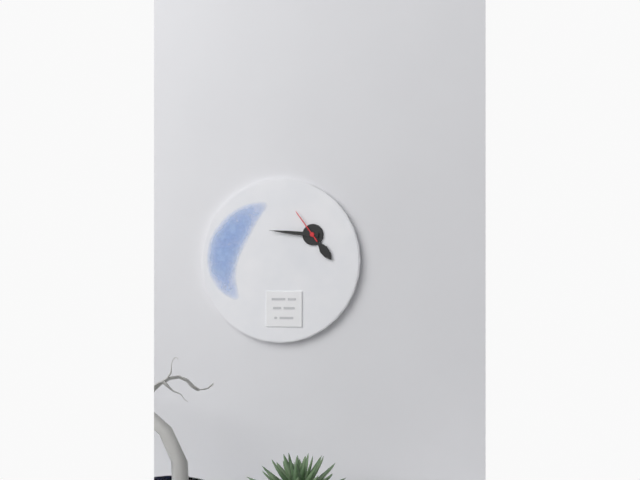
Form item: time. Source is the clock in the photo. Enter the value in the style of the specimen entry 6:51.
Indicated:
4:46
